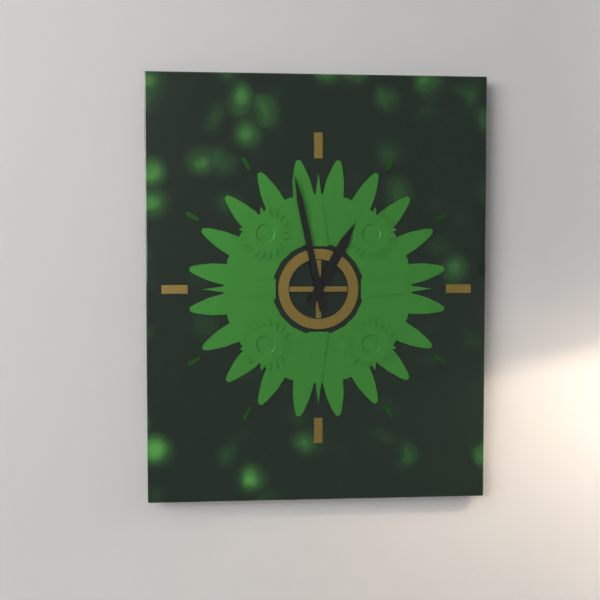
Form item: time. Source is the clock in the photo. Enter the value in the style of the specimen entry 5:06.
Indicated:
12:58
